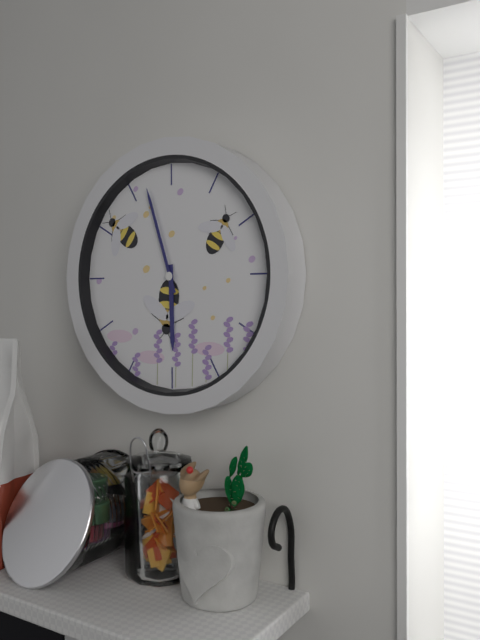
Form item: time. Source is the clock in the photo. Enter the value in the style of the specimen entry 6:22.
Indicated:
5:57
